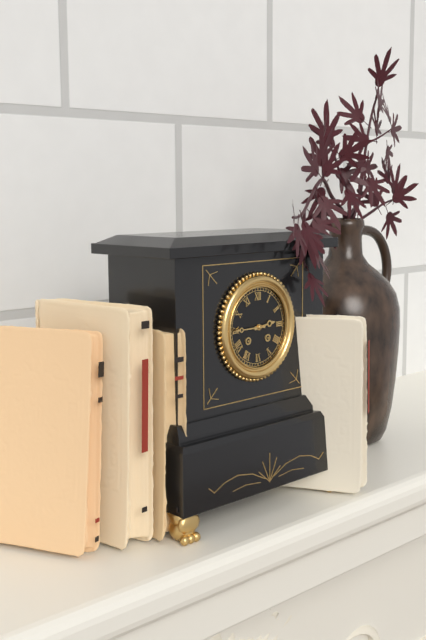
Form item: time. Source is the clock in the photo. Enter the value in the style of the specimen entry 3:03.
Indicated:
2:45
